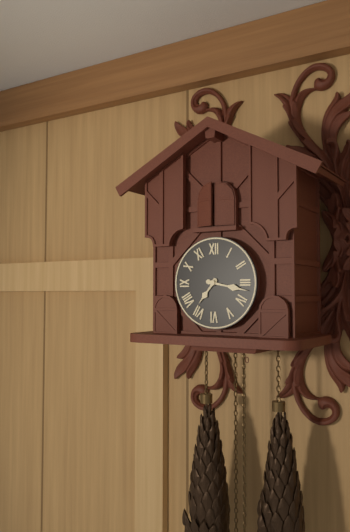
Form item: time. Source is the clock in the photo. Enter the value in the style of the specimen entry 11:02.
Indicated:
7:17
